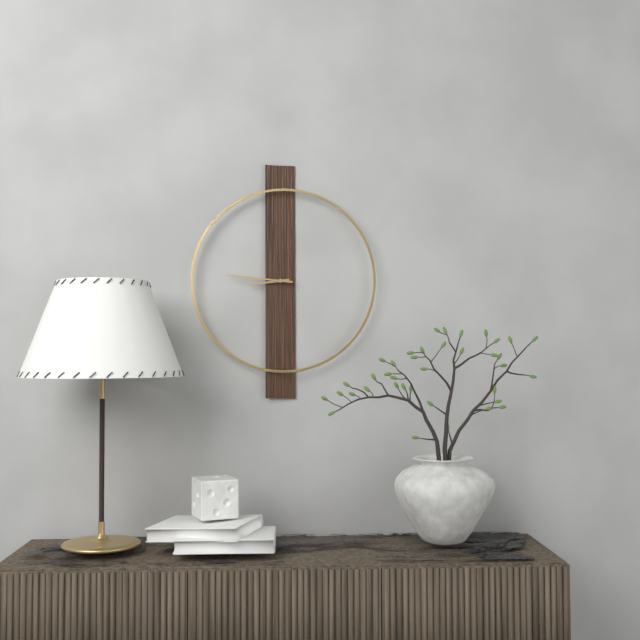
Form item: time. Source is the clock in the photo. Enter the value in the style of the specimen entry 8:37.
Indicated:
8:46
